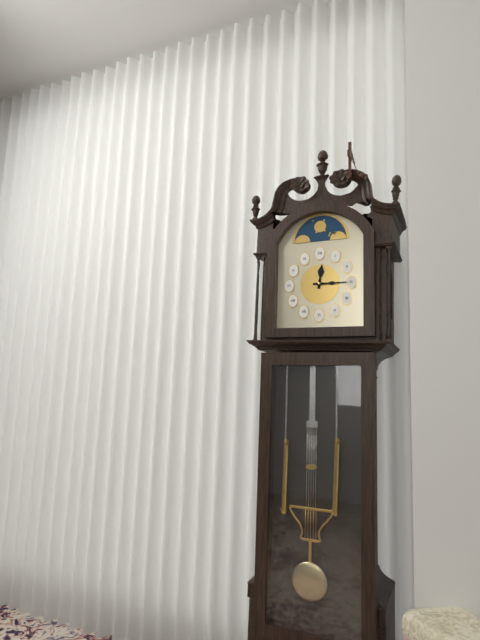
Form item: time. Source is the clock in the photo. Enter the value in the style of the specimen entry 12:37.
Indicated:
12:15
